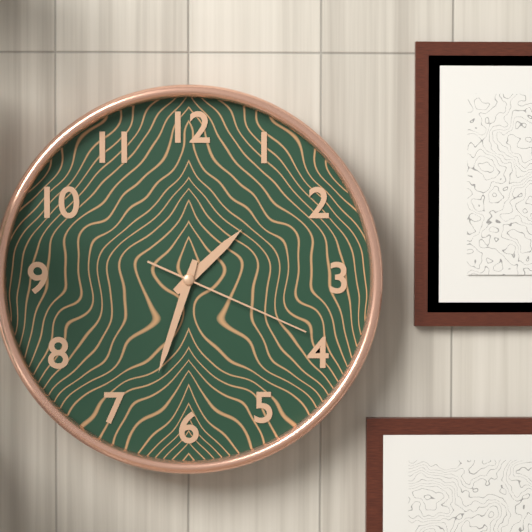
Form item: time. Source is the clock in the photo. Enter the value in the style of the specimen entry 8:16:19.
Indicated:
1:33:19
